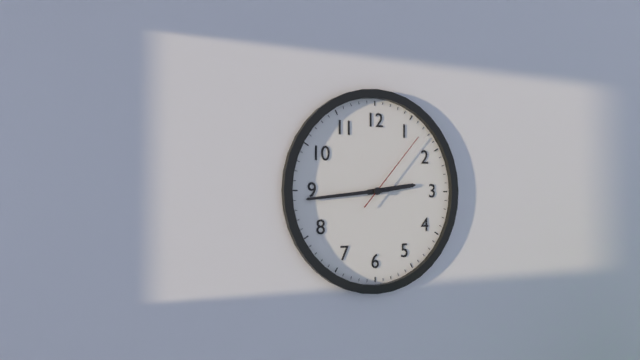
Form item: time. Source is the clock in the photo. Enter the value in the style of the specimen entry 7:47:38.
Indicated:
2:44:07
